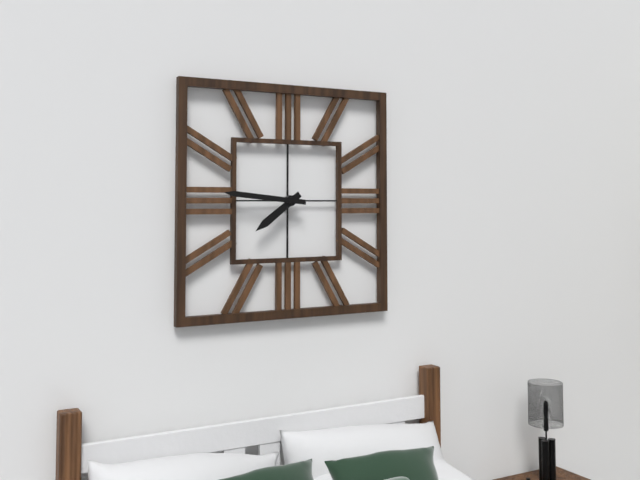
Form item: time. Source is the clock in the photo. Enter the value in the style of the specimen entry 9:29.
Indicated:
7:46
